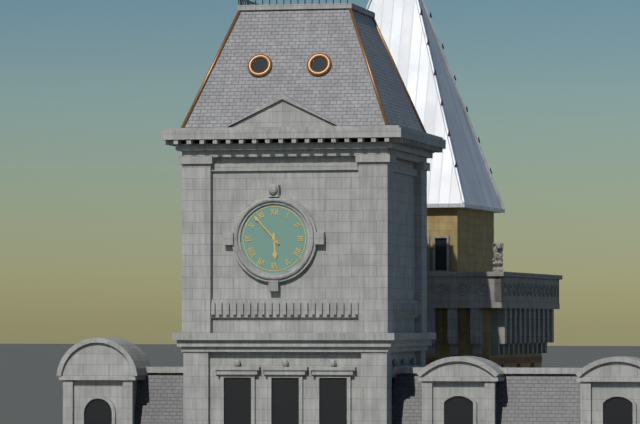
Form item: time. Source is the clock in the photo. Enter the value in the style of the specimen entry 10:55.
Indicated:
5:53
